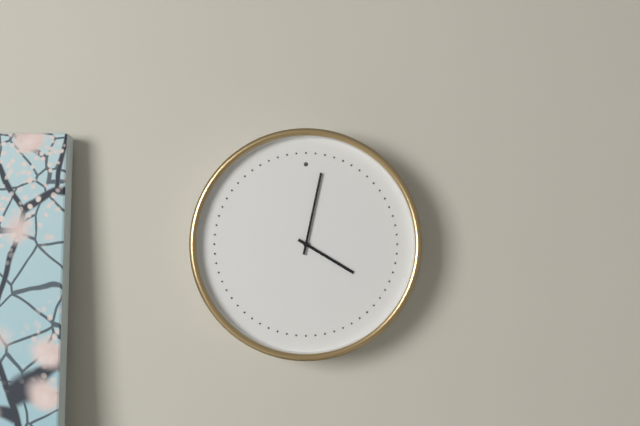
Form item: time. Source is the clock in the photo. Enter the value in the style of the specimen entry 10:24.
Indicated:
4:02
